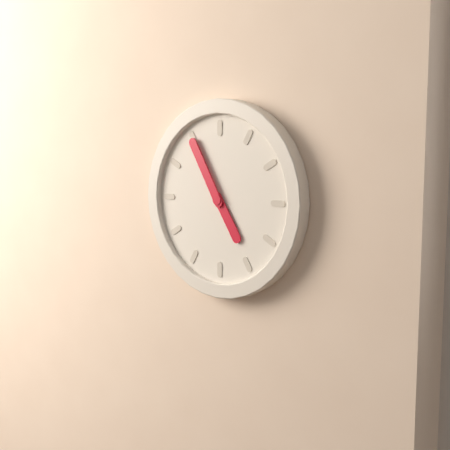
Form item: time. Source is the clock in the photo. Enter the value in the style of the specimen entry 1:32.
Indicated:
4:55
